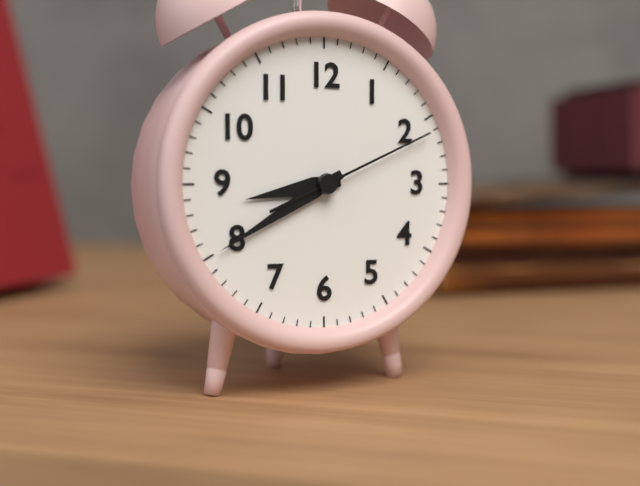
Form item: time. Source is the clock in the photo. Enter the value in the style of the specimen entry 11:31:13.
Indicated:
8:40:11
